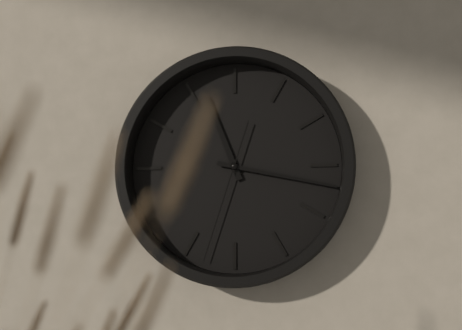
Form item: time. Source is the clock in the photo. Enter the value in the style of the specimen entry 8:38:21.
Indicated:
11:17:33
